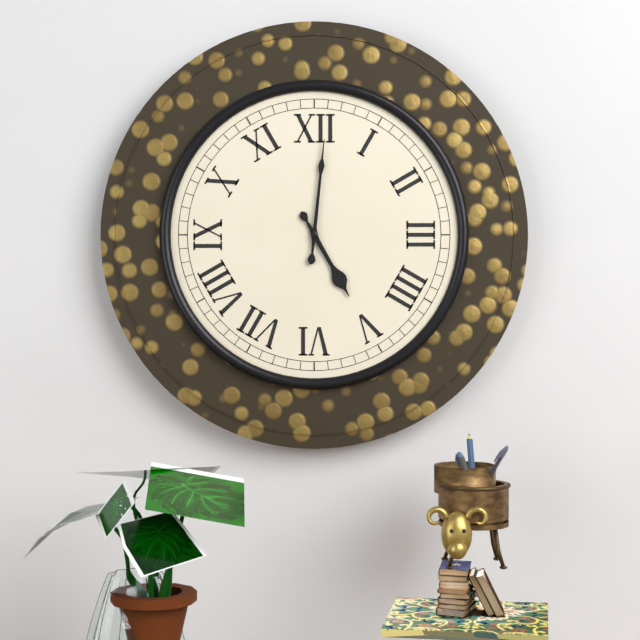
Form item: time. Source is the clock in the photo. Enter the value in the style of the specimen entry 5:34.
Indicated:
5:01
